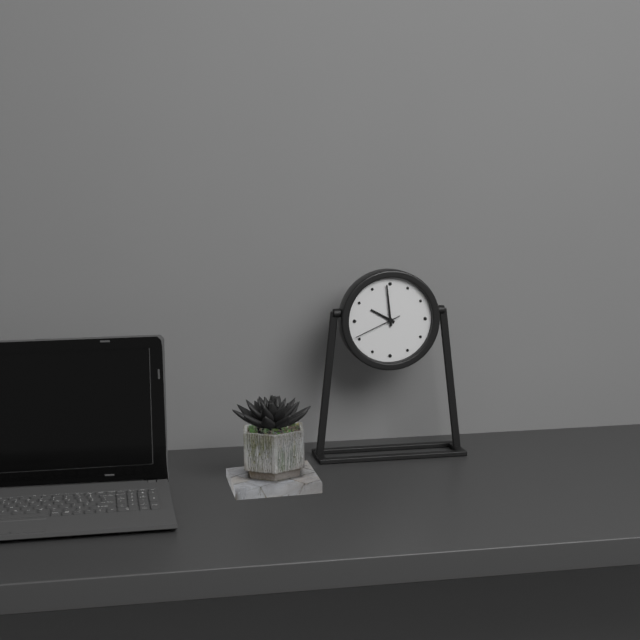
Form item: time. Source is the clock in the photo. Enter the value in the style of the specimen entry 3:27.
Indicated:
9:59
